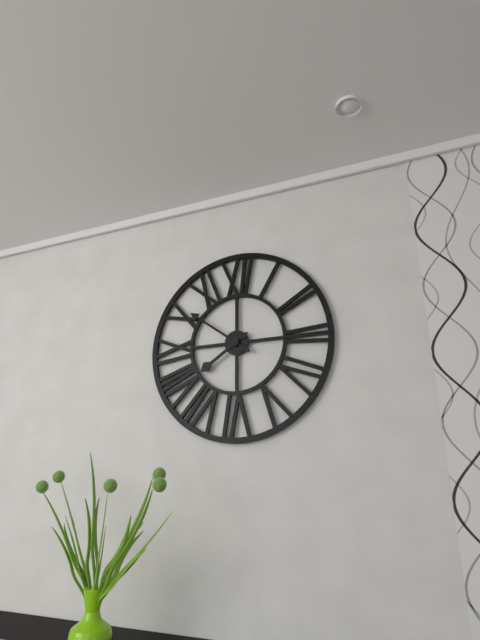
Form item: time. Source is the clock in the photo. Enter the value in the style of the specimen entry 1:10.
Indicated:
7:51
